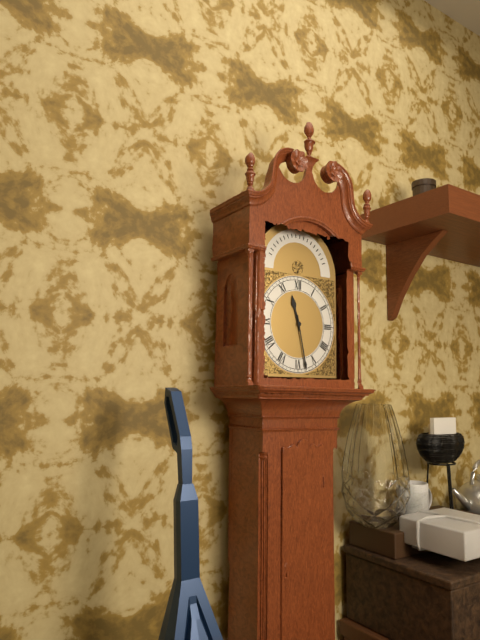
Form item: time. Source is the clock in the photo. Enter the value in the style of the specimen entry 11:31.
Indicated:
11:28
